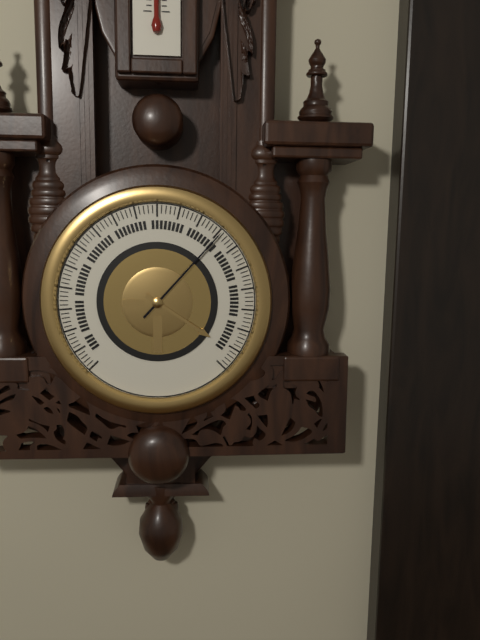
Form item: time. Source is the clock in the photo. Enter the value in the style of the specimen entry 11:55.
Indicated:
4:07
